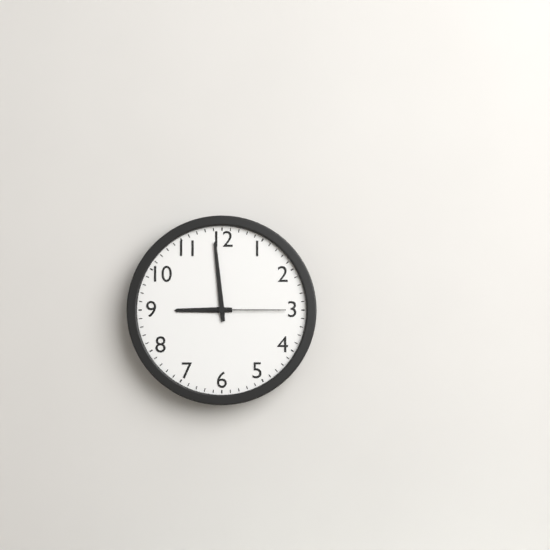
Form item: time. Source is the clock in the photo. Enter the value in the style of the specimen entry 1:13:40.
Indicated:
8:59:15
